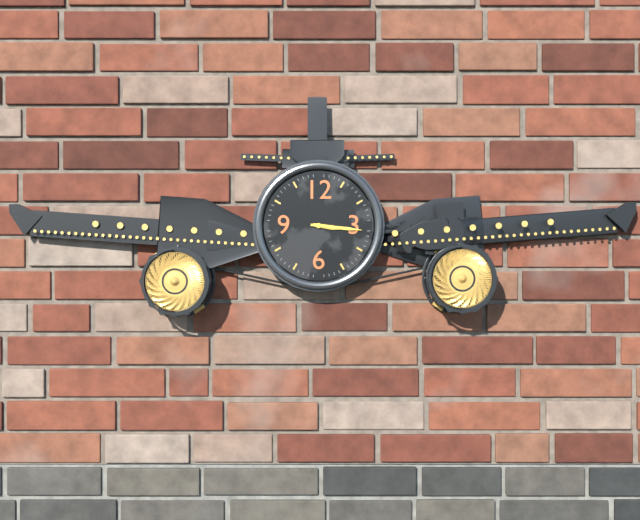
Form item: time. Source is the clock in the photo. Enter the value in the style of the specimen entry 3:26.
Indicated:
3:16
